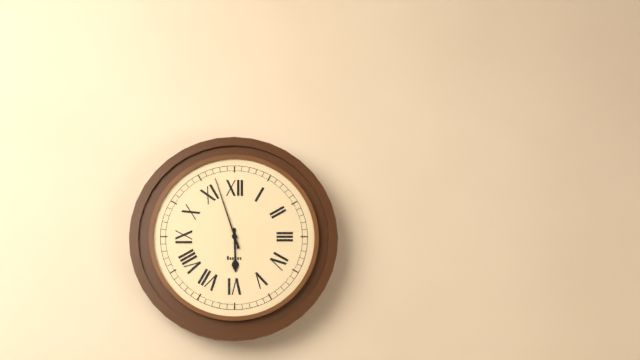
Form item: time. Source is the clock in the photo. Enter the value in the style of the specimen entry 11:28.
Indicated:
5:57
